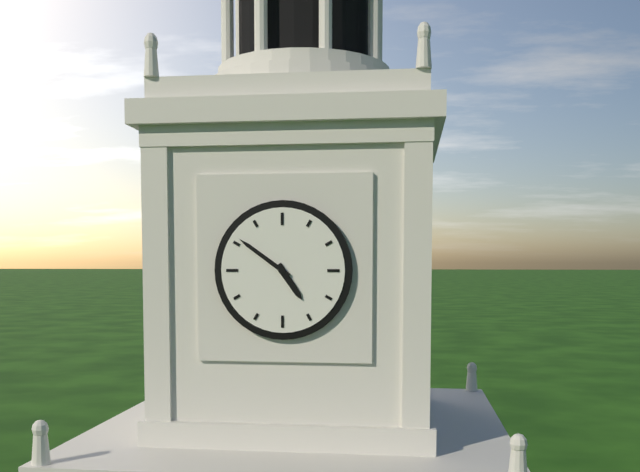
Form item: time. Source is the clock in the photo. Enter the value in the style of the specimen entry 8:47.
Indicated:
4:51
